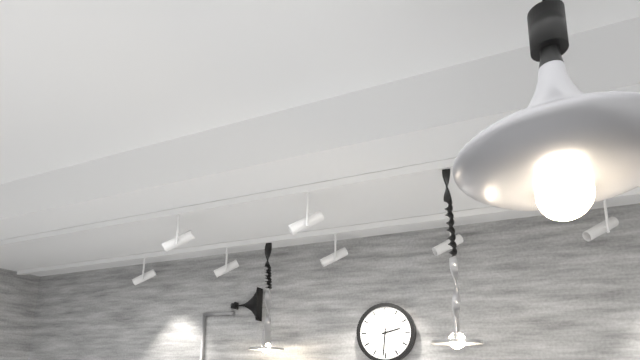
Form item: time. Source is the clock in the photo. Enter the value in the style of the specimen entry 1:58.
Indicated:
2:31
